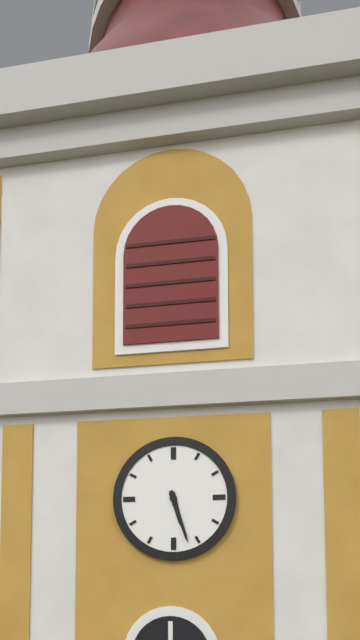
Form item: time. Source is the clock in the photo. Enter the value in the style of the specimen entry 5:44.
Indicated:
5:27
